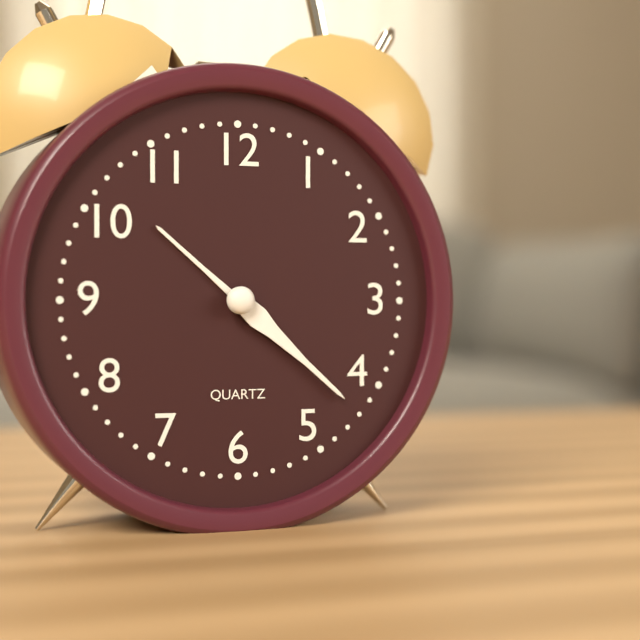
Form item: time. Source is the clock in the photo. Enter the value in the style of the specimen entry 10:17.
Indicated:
10:22
